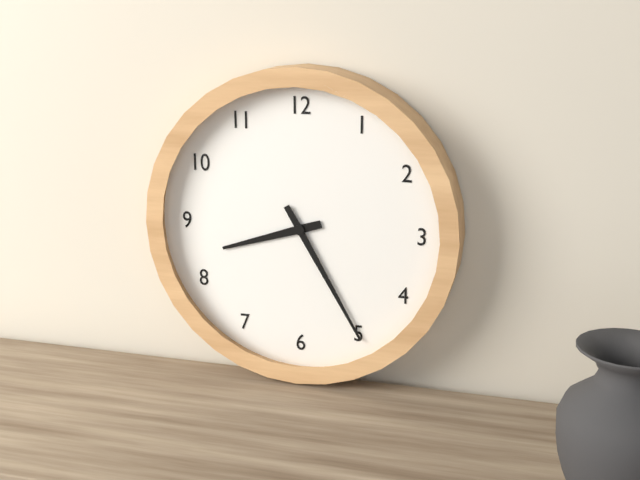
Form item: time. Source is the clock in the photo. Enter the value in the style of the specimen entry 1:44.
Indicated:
8:25
